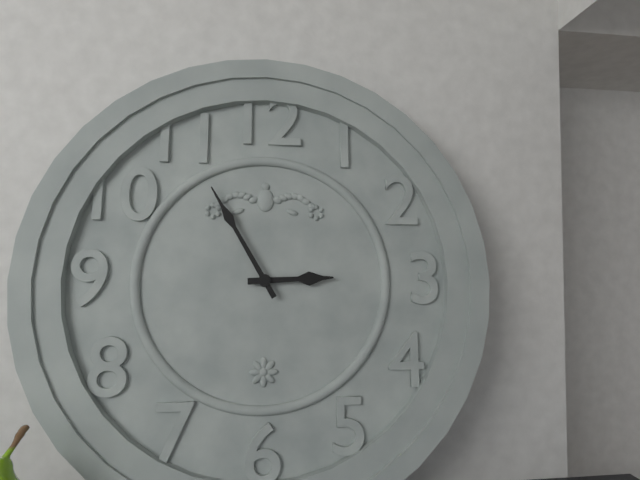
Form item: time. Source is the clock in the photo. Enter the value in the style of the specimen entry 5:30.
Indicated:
2:55
